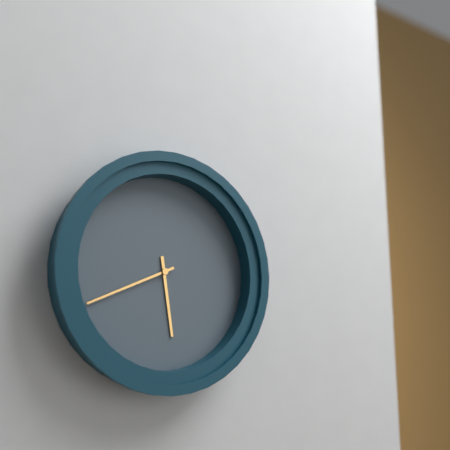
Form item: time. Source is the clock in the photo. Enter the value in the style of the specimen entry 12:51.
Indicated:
5:41
